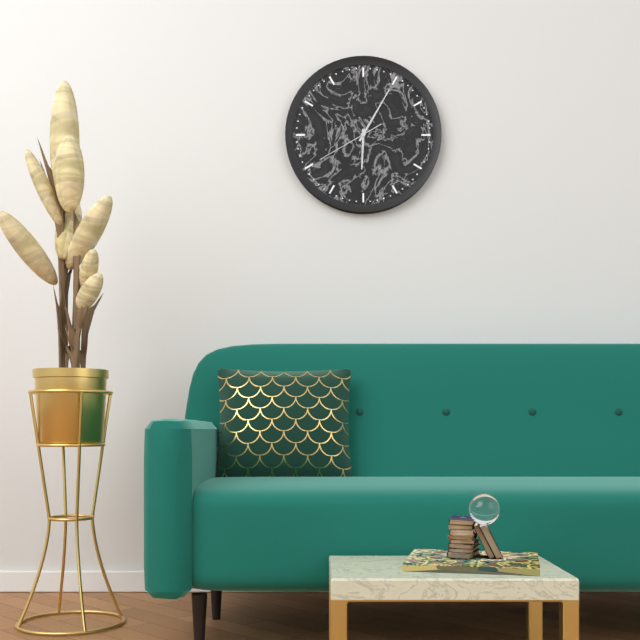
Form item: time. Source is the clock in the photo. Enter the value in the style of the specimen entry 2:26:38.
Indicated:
6:05:40
